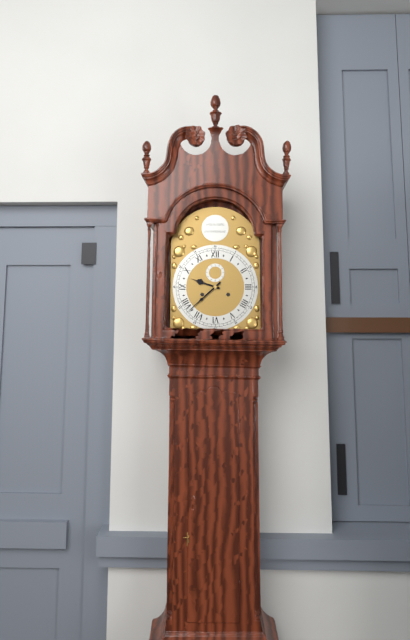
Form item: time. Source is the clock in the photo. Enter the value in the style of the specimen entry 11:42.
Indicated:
9:38
